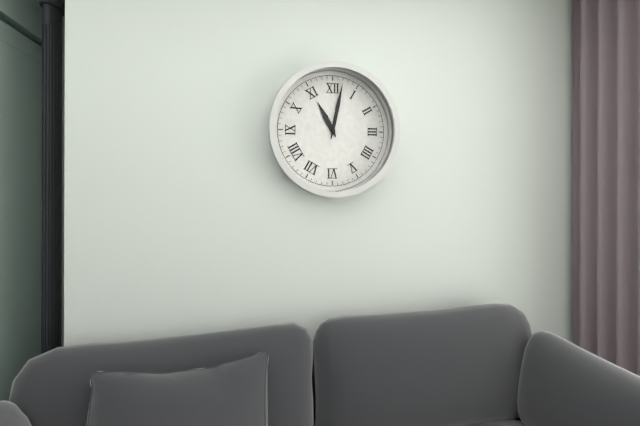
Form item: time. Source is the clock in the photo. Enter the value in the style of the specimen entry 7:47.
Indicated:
11:02
